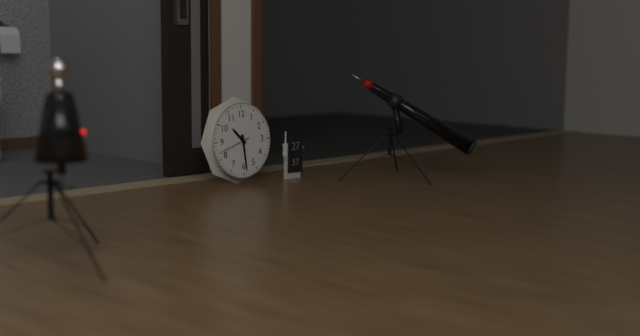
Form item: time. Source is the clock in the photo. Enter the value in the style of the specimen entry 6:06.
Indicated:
10:29
